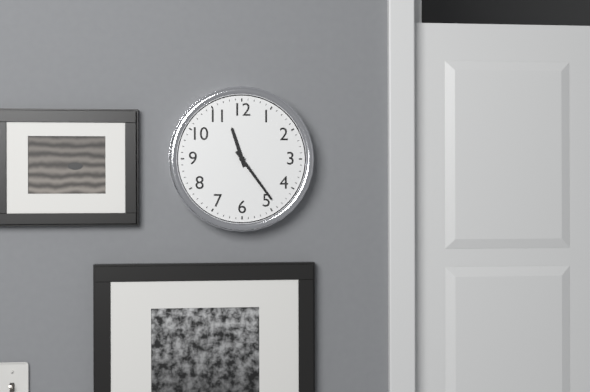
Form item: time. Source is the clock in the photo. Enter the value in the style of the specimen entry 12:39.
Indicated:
11:24
